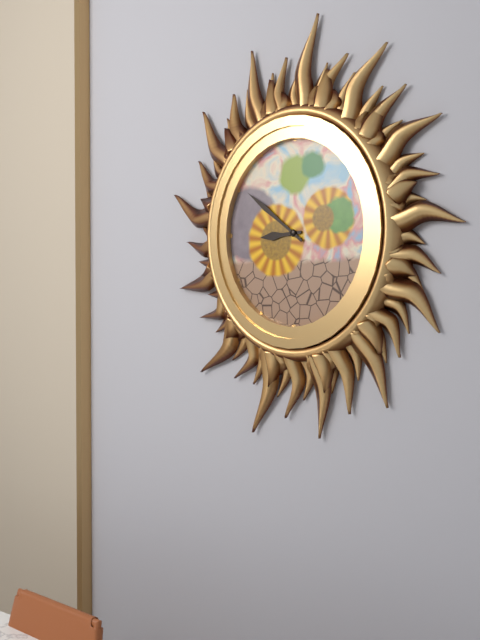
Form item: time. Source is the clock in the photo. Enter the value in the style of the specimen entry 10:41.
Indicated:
8:51
